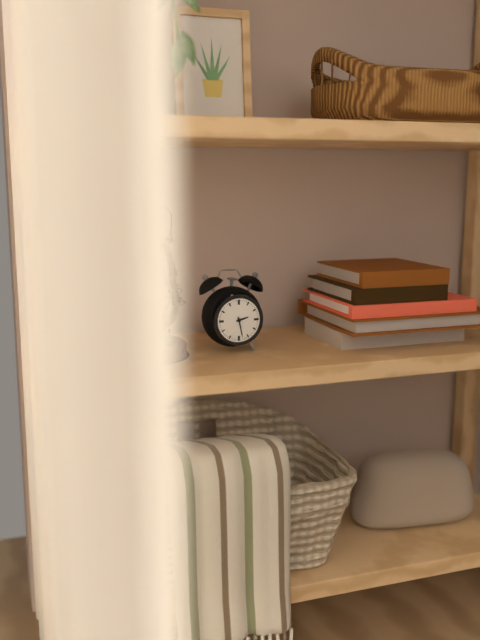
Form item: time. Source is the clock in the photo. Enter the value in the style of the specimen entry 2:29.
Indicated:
2:28
